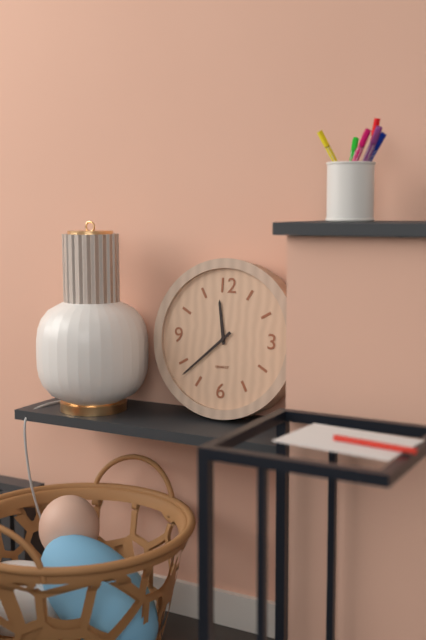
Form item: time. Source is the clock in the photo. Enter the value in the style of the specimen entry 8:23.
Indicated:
11:38
